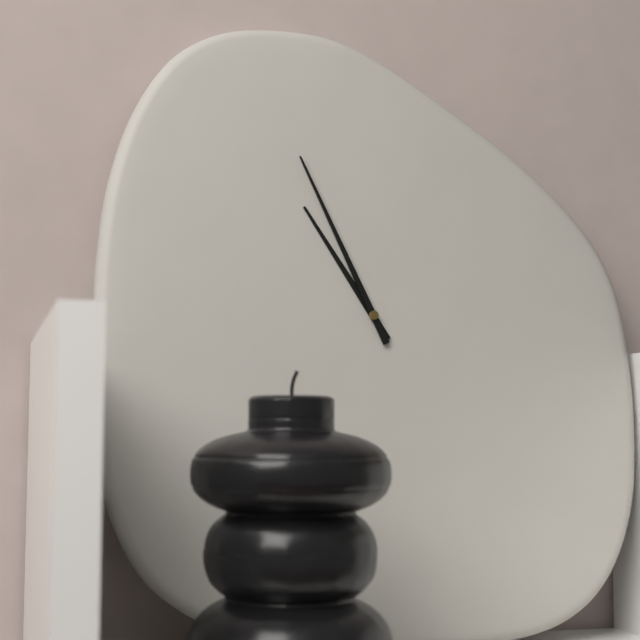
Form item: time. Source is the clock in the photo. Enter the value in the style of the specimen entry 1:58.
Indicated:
10:56
